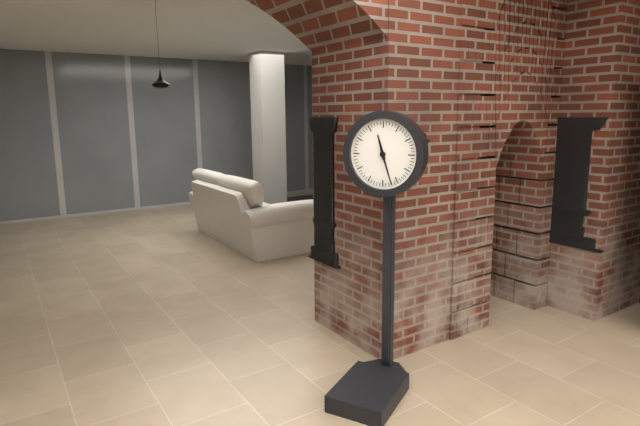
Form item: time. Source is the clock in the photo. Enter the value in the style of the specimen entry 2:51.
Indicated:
11:27
